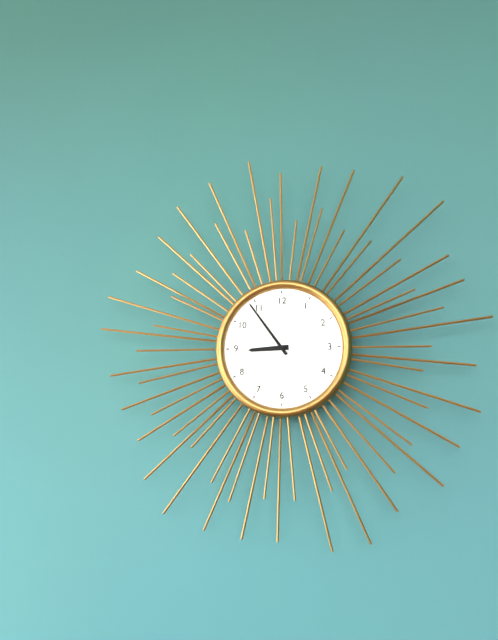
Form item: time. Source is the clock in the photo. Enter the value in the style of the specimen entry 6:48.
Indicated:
8:54
